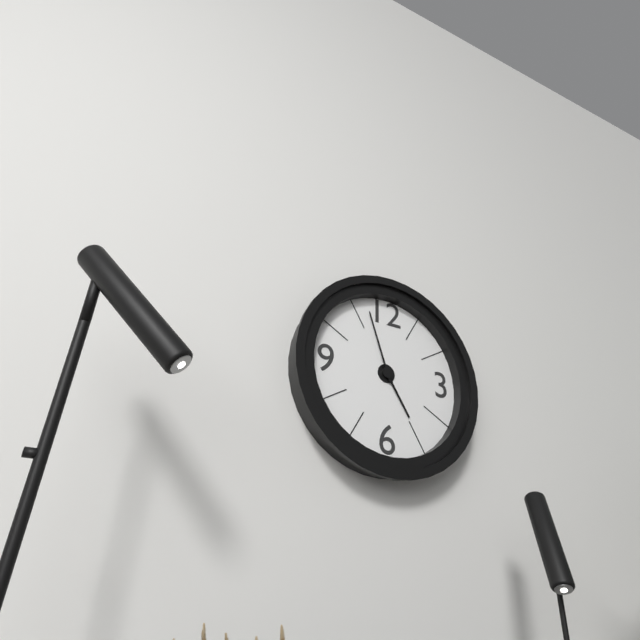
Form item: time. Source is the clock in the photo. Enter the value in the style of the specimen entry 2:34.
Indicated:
4:57
